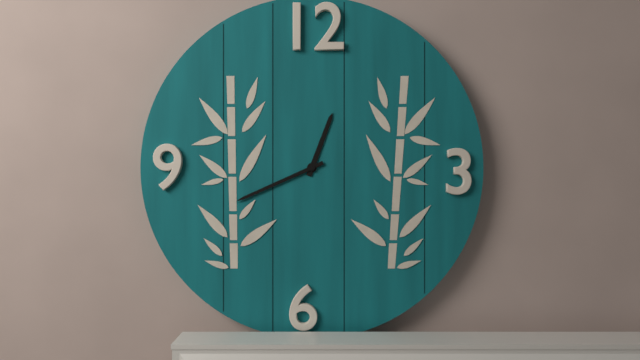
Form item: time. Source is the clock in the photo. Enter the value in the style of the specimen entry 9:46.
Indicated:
12:41
